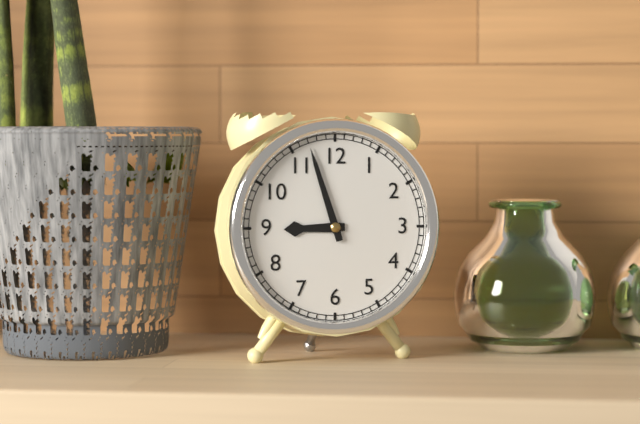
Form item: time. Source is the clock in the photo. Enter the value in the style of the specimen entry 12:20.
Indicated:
8:57
